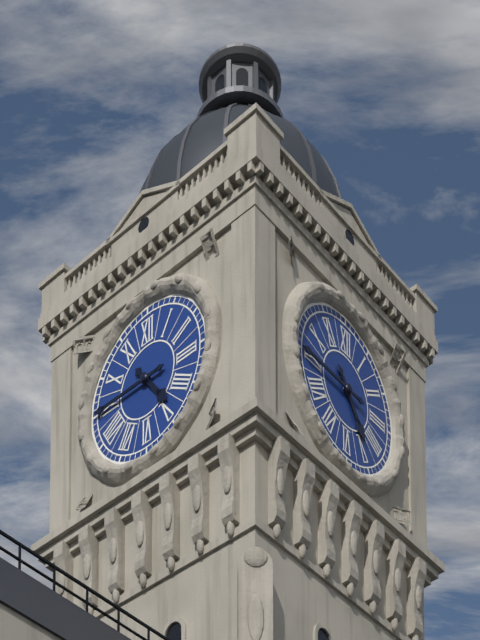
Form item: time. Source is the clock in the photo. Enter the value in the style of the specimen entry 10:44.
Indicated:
4:45
